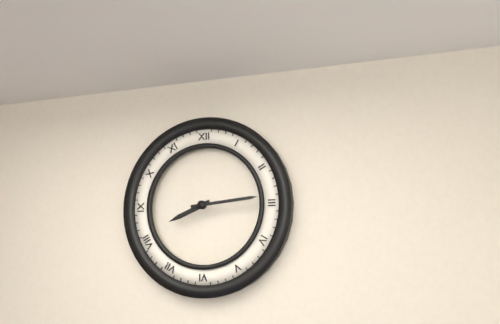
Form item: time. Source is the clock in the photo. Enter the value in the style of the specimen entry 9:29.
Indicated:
8:14
